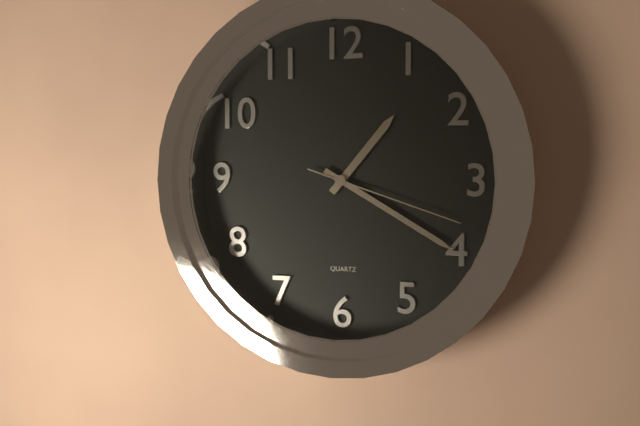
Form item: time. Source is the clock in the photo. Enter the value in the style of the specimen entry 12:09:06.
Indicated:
1:20:18
